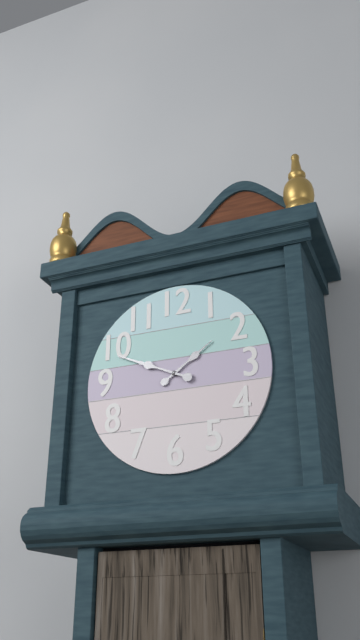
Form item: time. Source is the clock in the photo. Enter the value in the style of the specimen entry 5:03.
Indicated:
1:49
